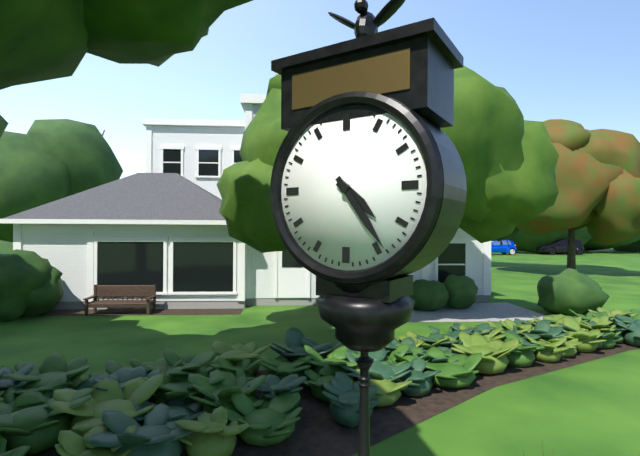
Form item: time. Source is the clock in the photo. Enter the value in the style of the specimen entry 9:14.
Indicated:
4:24
